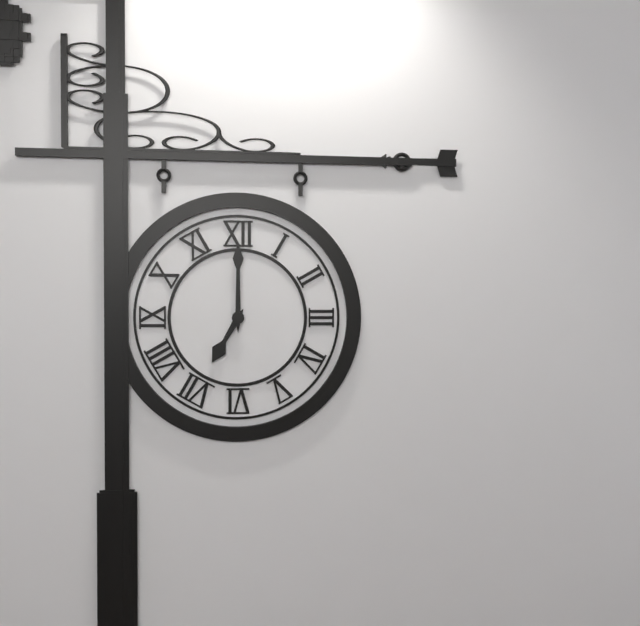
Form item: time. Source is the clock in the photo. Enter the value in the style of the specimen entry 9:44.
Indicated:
7:00
